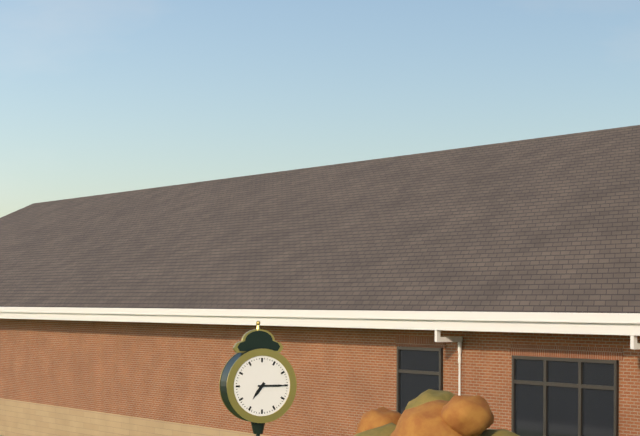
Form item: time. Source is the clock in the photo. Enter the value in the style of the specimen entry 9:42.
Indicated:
7:15
